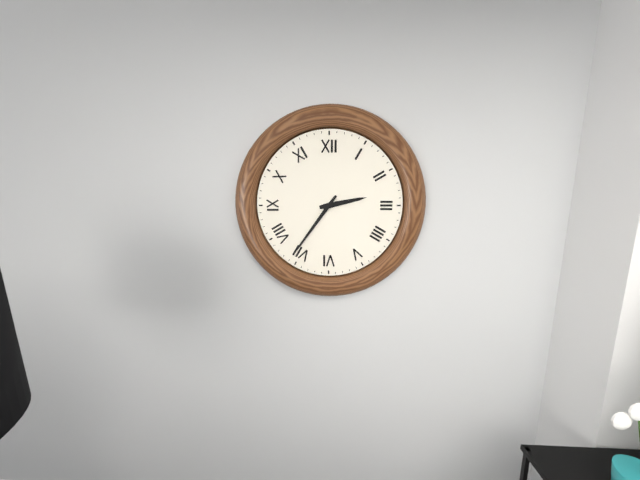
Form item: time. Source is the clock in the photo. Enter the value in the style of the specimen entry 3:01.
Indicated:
2:36
